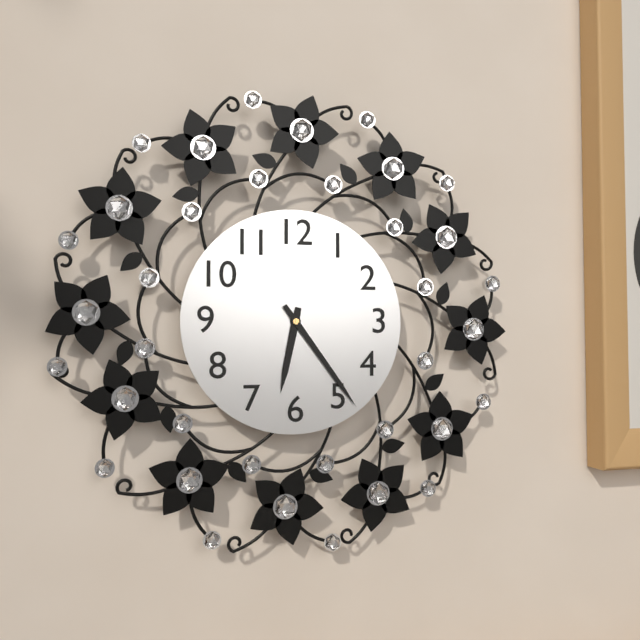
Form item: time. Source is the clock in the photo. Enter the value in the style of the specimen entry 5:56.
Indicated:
6:24
